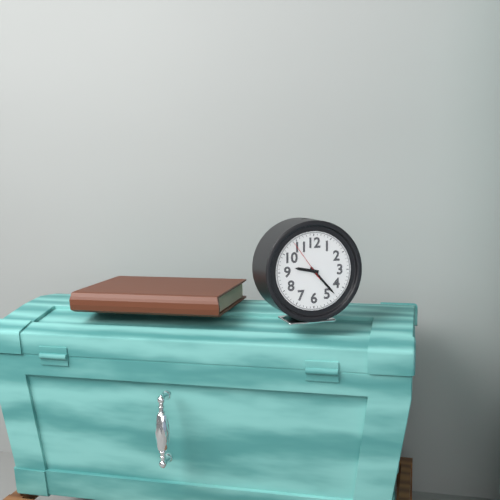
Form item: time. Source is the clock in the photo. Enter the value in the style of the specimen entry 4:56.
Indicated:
9:23
